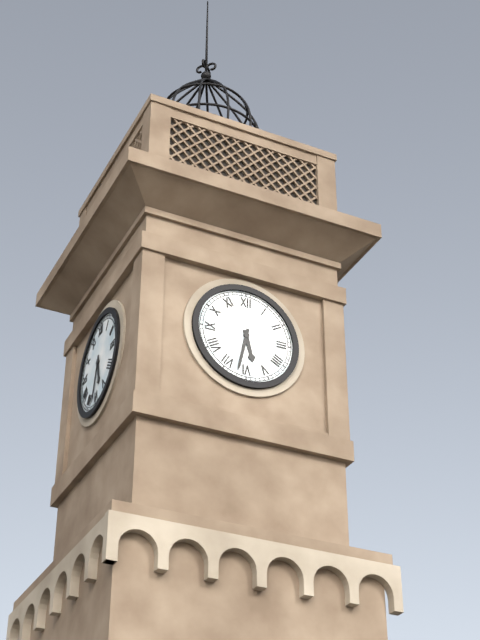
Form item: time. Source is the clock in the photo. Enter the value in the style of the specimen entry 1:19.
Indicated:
5:32
